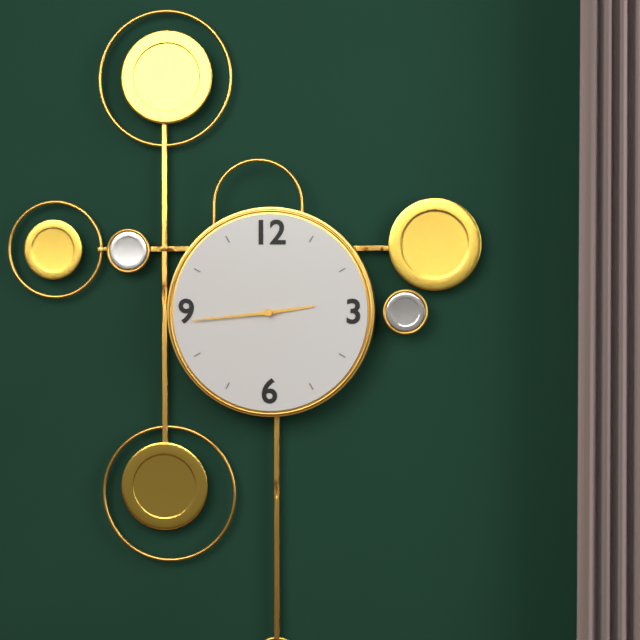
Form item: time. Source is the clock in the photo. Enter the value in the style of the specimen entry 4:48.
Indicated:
2:44
